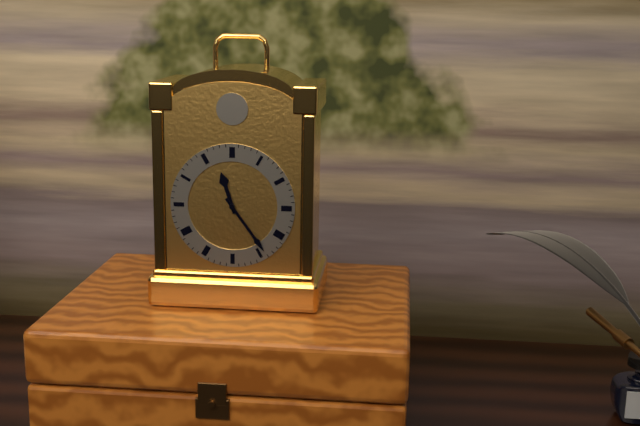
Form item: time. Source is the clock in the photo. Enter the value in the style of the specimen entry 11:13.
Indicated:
11:24
